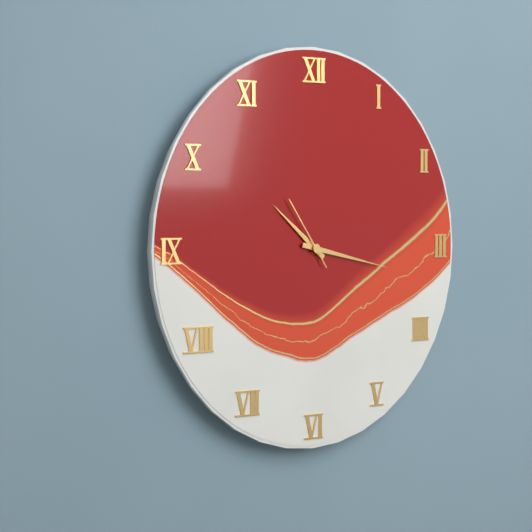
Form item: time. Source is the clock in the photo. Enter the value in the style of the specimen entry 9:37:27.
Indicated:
10:17:54
